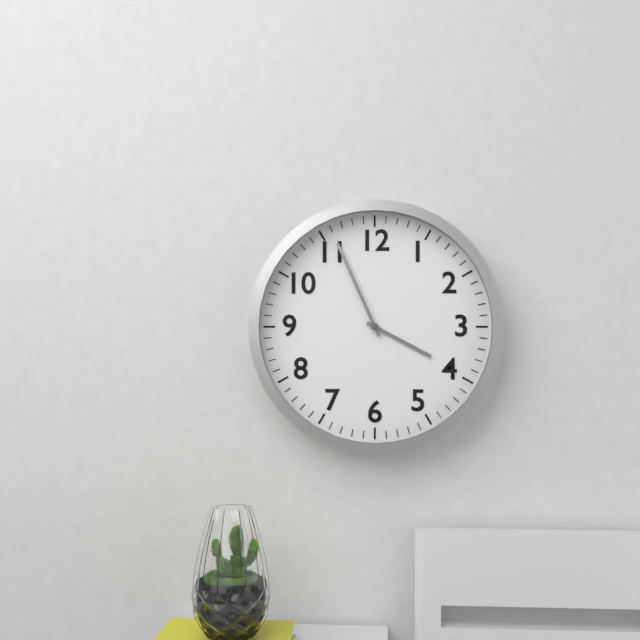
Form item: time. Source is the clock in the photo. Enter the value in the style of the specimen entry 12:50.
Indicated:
3:56
